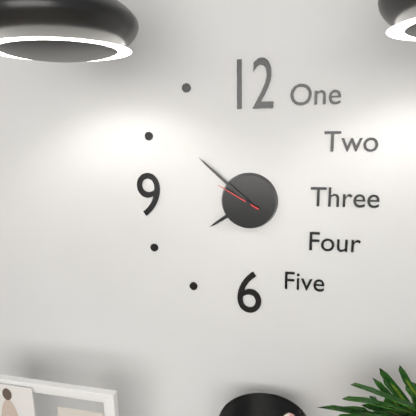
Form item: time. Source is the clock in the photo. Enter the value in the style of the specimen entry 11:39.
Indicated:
7:52
